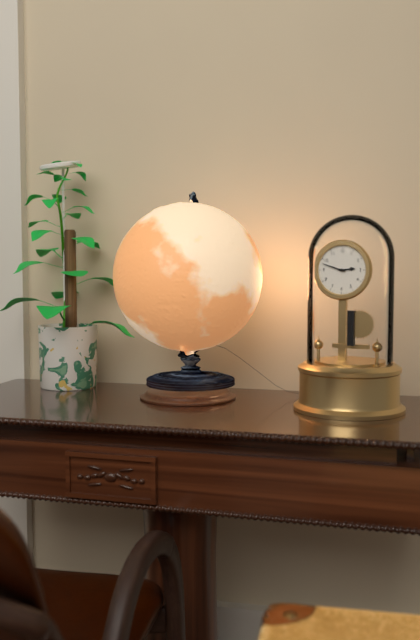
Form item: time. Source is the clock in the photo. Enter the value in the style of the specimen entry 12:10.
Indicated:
2:48
